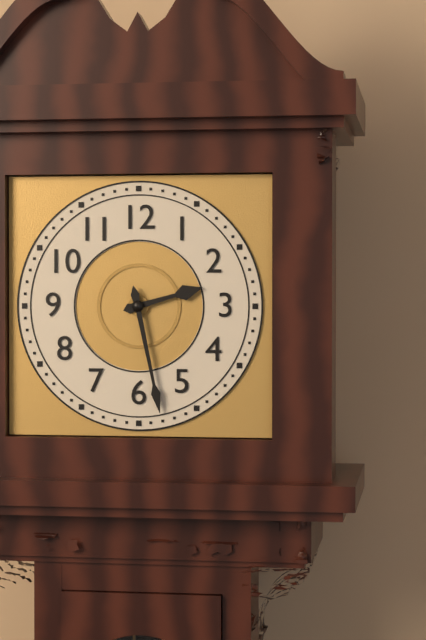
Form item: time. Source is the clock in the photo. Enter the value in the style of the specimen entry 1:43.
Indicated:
2:28
